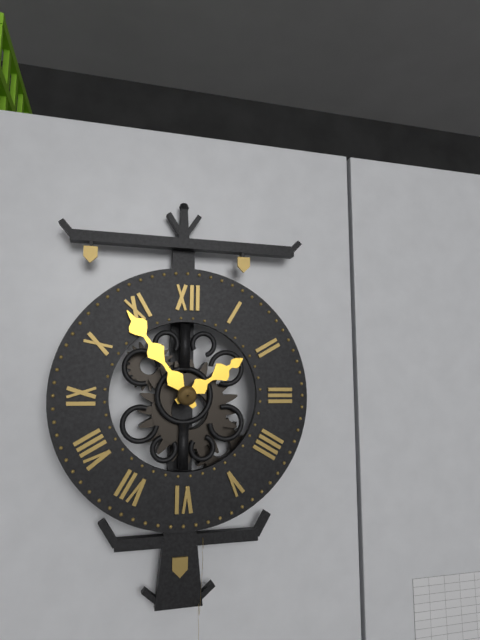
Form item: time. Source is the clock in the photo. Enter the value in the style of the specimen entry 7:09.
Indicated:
1:54
